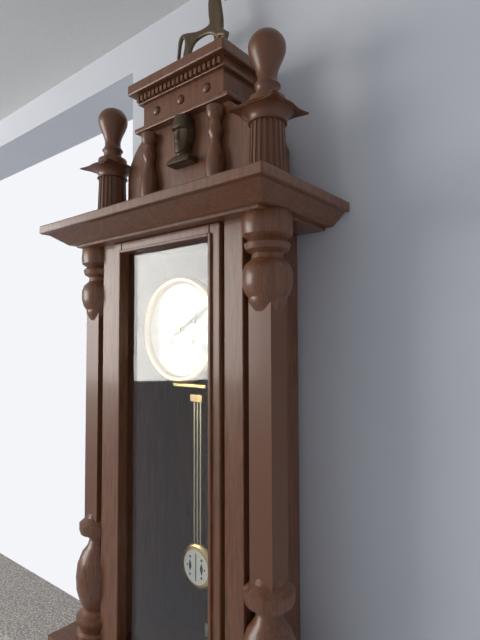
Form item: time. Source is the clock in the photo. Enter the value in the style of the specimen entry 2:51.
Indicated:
2:10
